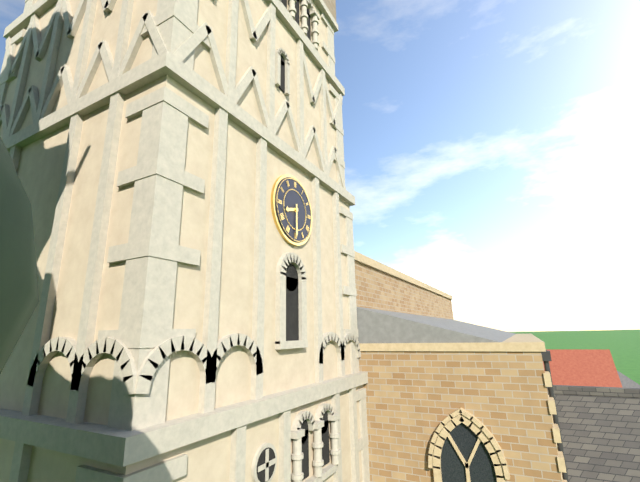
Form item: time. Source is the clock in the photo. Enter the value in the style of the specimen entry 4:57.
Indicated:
8:30
